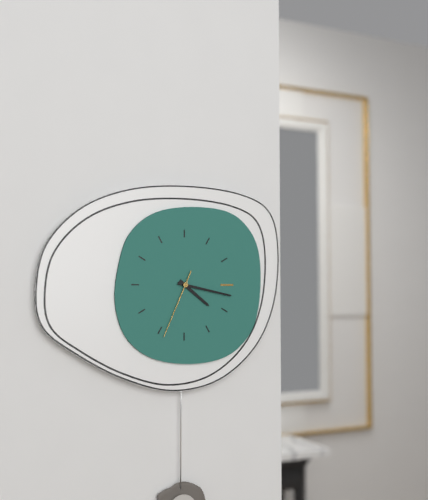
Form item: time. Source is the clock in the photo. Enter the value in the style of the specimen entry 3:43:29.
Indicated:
4:17:34
